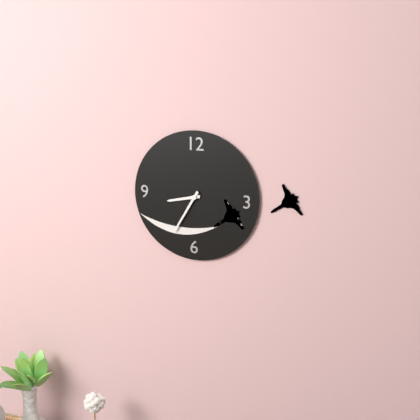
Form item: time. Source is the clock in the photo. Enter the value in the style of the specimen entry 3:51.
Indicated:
8:35
